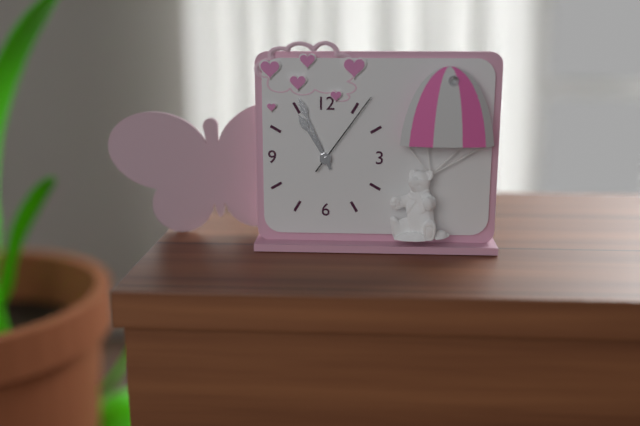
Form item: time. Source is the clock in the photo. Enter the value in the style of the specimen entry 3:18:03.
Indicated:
10:56:06
